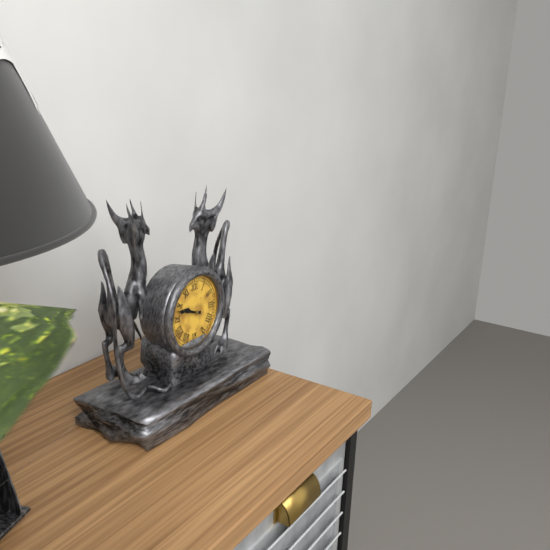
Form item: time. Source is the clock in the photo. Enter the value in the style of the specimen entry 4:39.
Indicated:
9:48
